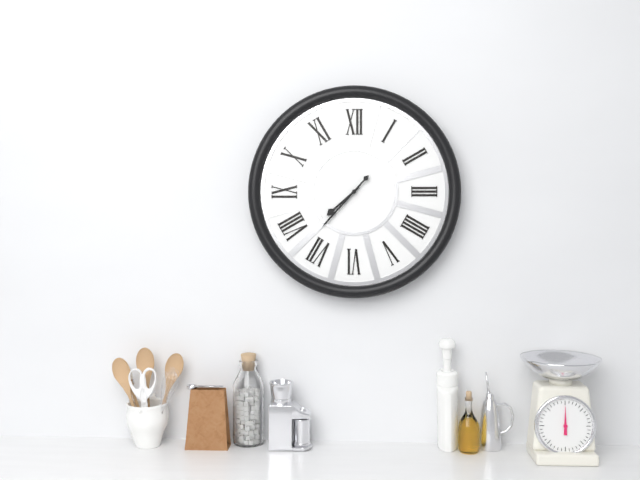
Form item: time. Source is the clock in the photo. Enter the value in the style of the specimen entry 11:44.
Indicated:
7:37
